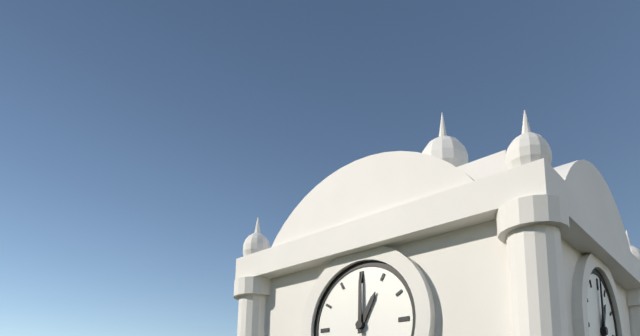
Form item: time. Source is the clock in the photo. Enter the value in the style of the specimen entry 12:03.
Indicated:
1:00
